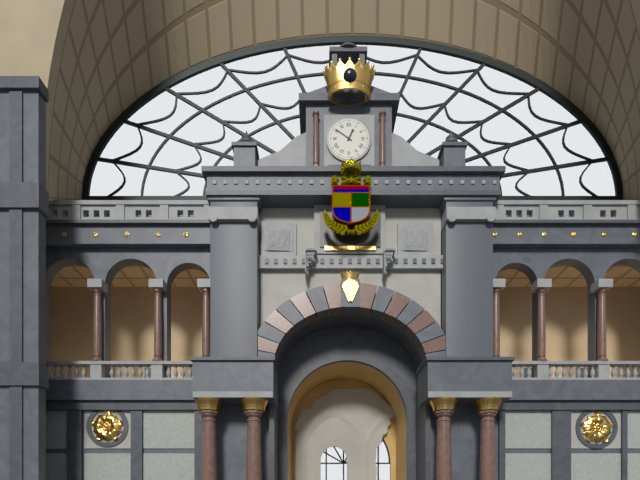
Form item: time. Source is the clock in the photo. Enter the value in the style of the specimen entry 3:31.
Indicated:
12:51
